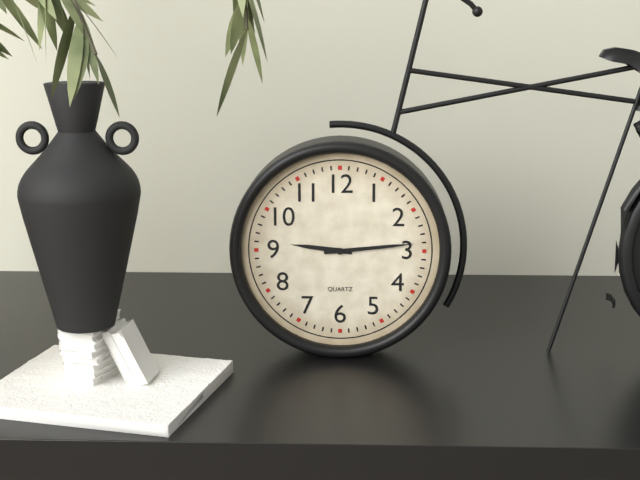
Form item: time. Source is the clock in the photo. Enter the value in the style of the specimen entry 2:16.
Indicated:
9:14
